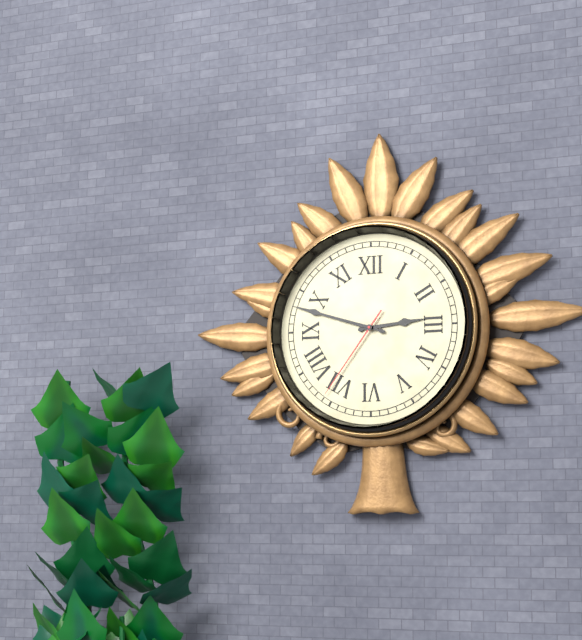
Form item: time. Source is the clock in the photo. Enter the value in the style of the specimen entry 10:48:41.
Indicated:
2:48:36
